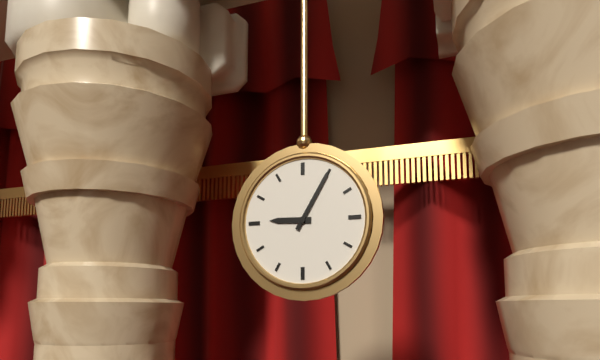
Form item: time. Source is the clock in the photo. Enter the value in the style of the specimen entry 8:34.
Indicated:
9:05
